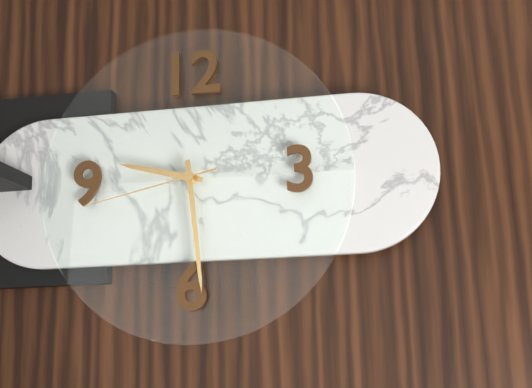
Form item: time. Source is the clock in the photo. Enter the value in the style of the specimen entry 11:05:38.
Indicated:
9:29:43
